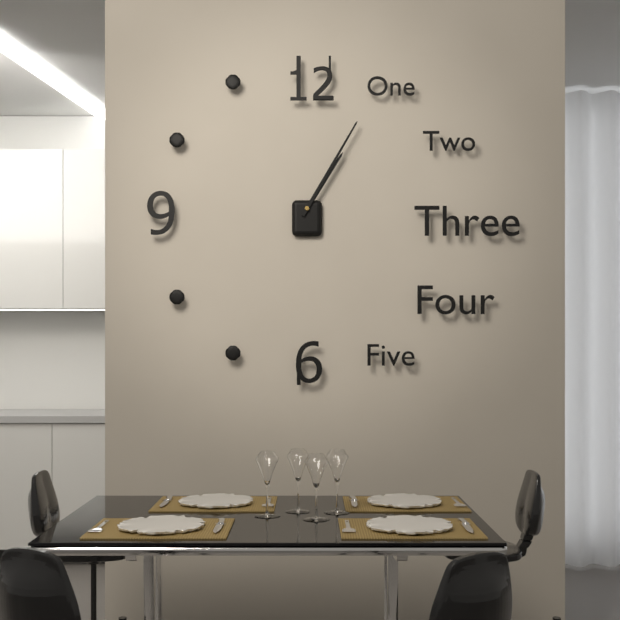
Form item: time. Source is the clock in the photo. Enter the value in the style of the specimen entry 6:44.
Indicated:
1:05
